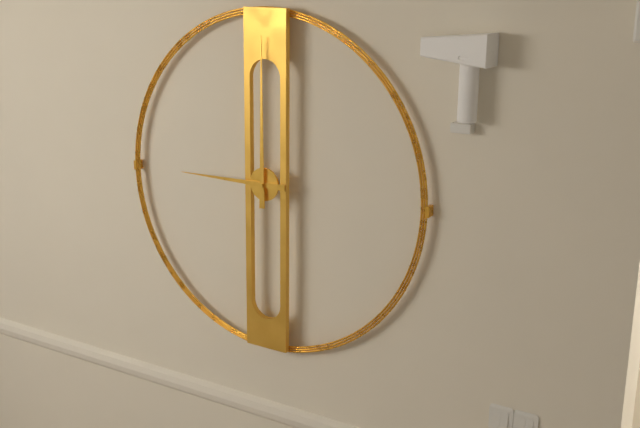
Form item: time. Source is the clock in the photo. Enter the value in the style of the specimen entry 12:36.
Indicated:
9:00
